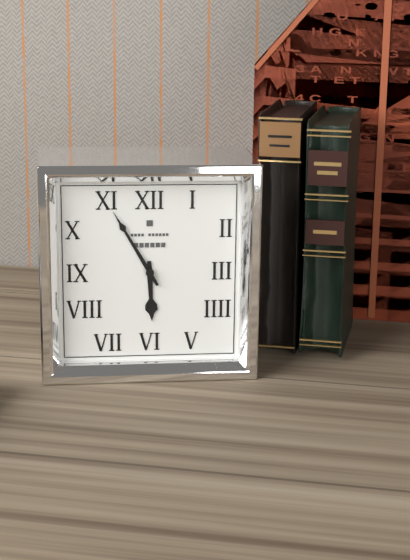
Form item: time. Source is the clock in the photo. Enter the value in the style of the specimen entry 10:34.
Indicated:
5:55
